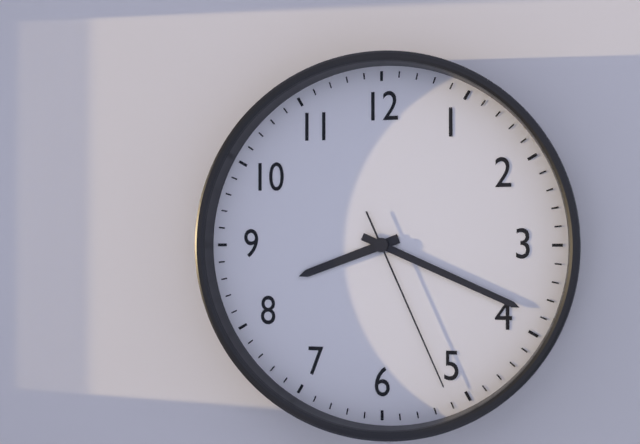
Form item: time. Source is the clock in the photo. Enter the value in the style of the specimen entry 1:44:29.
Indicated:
8:19:26
